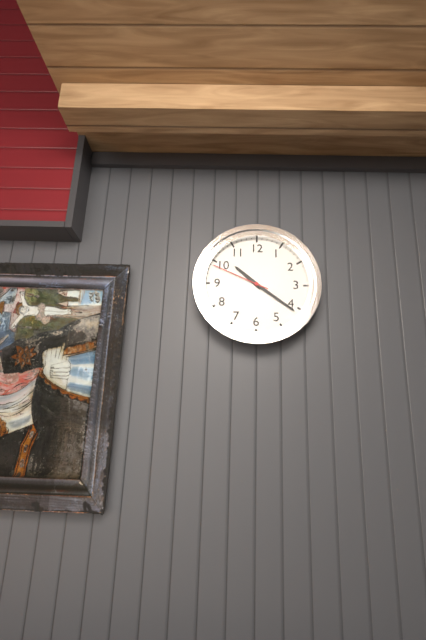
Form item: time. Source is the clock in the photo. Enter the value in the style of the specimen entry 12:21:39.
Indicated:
10:21:49
